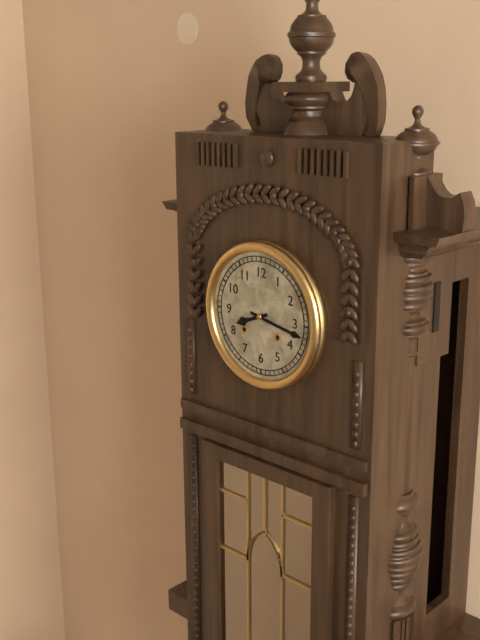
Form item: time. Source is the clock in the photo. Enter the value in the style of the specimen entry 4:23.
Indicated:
8:17
